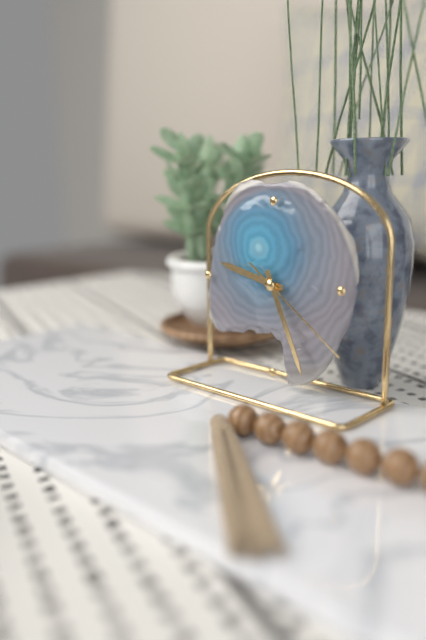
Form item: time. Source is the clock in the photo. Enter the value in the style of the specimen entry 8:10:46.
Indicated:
9:26:21
